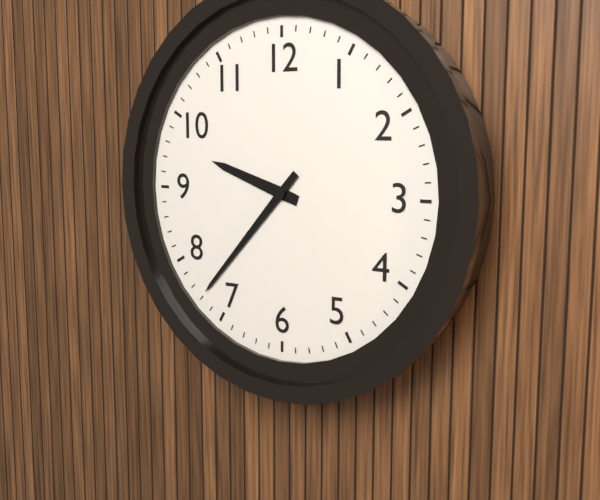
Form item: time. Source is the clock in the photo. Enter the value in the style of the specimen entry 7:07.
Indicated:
9:37
